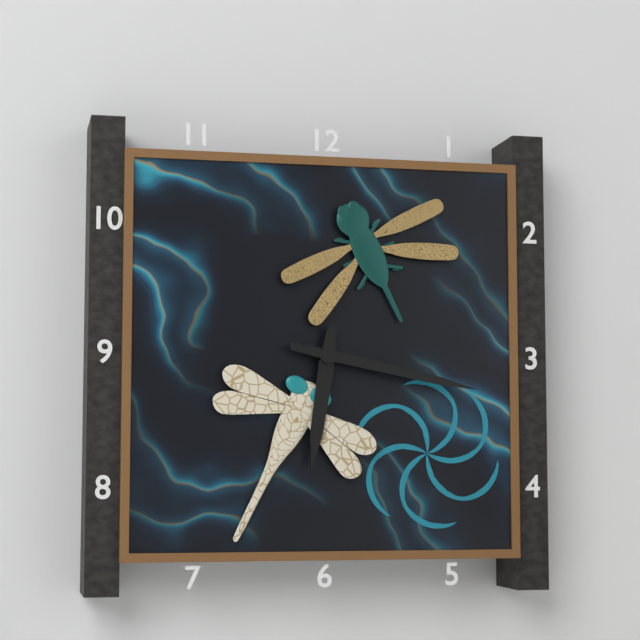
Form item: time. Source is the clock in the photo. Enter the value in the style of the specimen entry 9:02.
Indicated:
6:17
